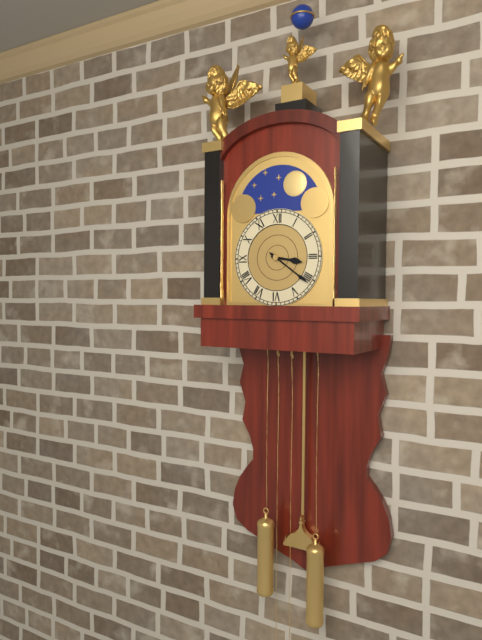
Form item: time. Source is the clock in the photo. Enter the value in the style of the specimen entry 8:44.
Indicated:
3:21
